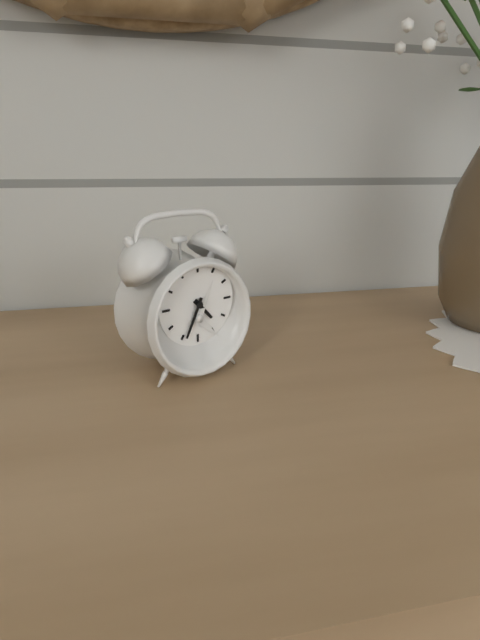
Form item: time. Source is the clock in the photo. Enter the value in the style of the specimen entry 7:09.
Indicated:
4:34
